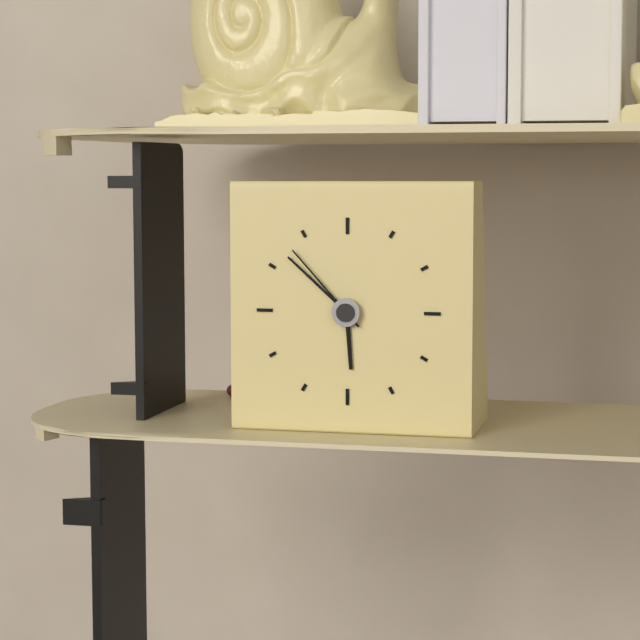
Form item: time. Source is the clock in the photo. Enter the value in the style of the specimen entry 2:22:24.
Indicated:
5:52:53
